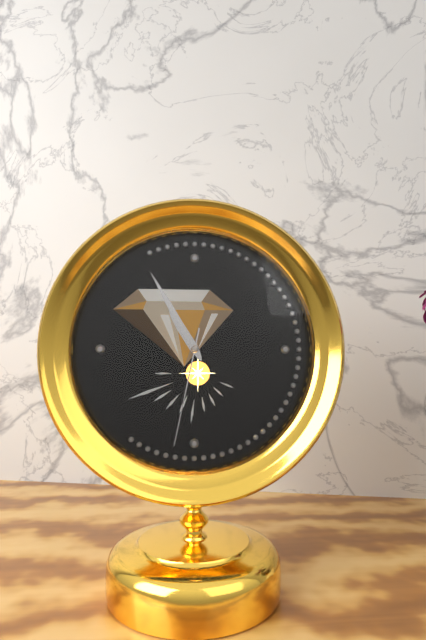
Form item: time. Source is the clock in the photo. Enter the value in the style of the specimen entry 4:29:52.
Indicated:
10:55:32
